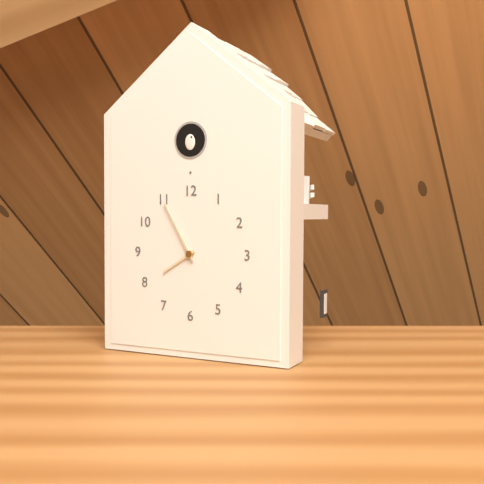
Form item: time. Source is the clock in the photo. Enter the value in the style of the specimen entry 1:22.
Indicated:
7:55
